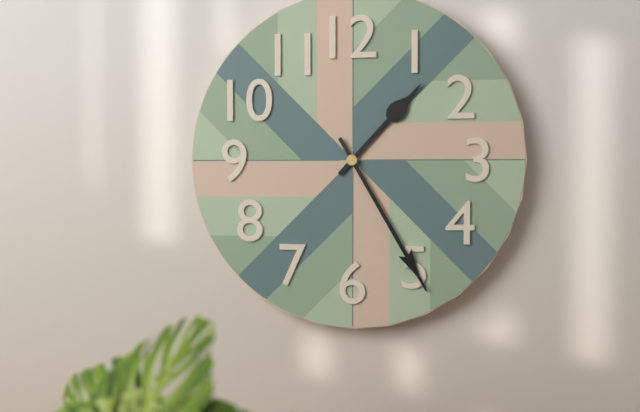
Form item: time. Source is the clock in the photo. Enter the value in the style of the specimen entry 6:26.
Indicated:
1:25
